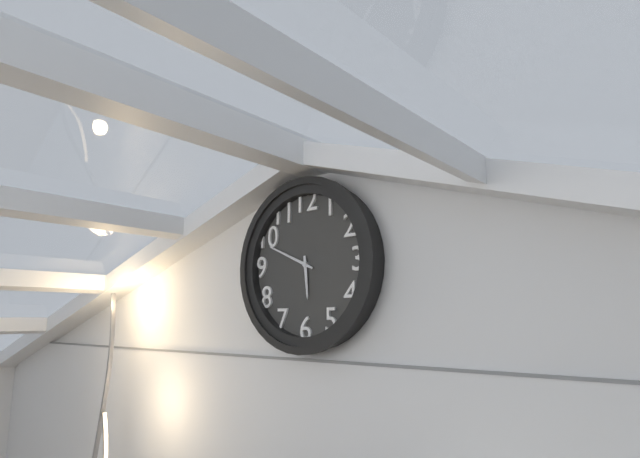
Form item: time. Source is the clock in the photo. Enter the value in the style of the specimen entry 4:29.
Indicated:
5:49
